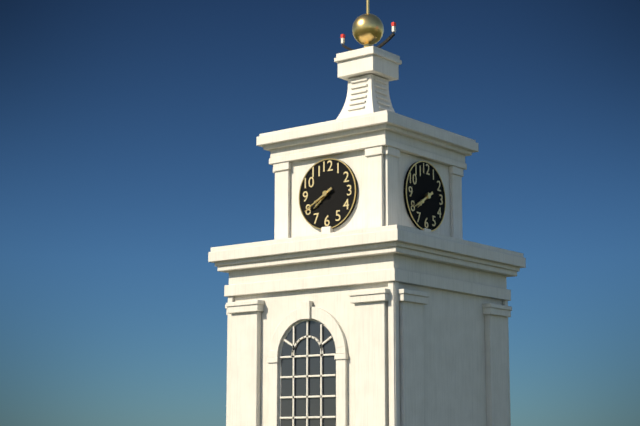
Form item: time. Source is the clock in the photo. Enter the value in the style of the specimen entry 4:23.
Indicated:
7:40
